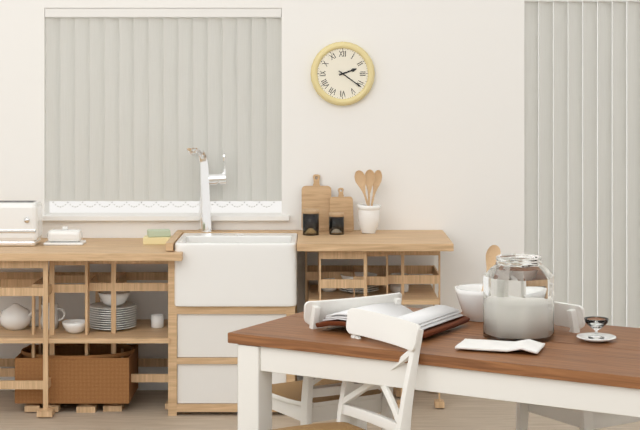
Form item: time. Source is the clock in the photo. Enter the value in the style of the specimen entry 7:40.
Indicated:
2:21
